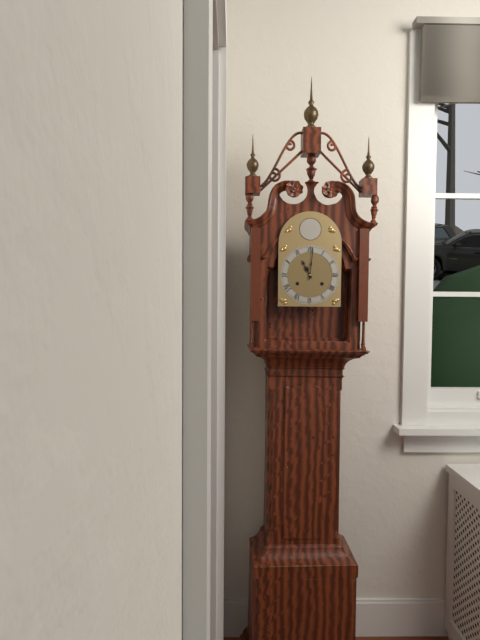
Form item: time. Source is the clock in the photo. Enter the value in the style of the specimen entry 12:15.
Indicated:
11:01
